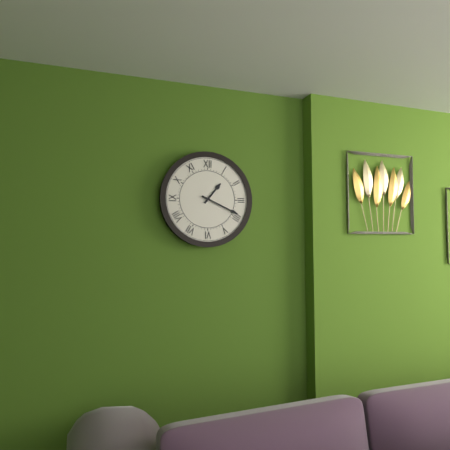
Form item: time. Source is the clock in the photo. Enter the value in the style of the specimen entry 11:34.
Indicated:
1:19
